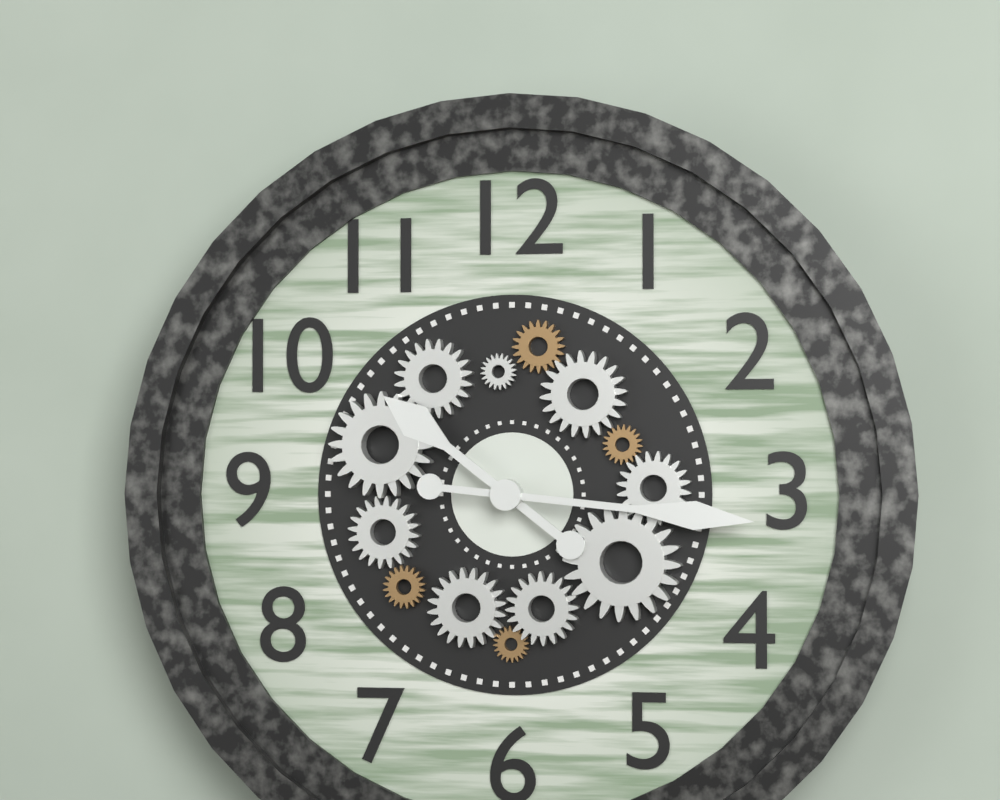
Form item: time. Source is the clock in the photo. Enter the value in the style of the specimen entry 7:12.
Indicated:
10:16
